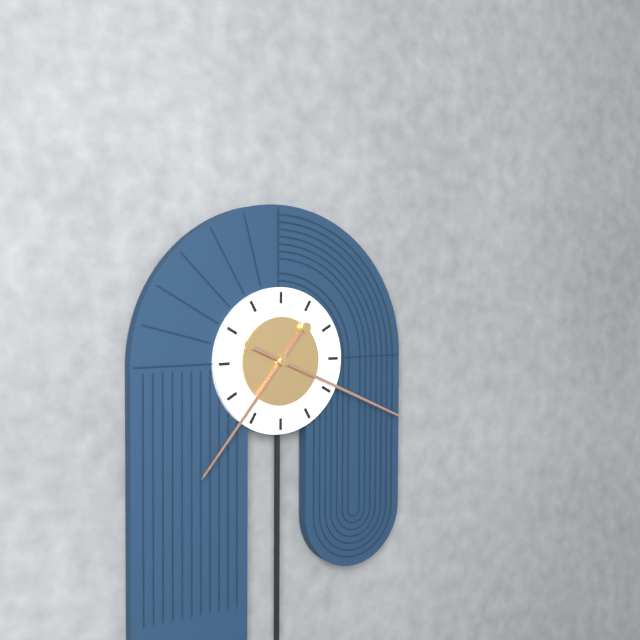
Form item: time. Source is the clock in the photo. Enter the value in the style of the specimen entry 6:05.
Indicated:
7:19
